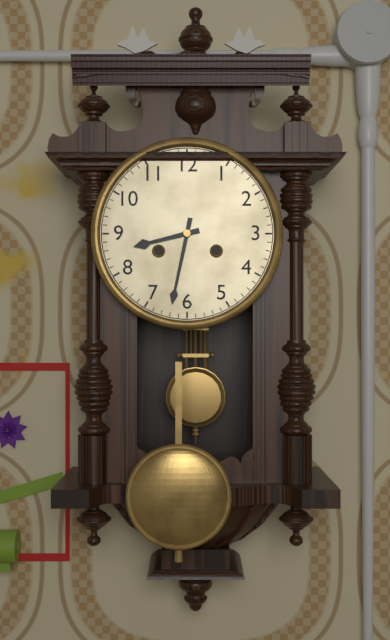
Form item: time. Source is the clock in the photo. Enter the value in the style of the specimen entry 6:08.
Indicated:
8:32
